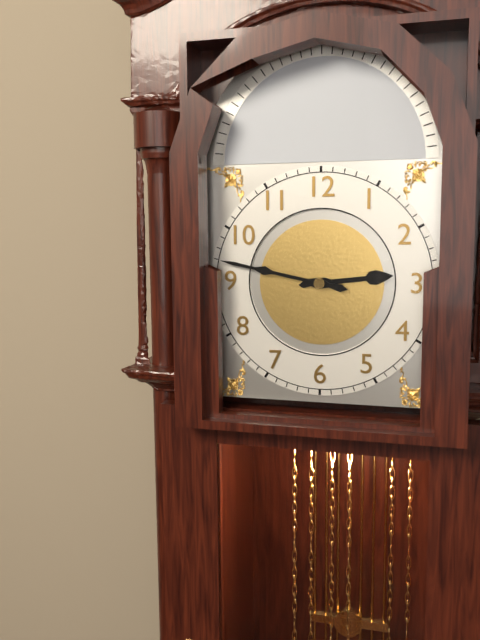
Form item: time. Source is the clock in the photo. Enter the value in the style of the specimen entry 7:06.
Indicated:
2:47
